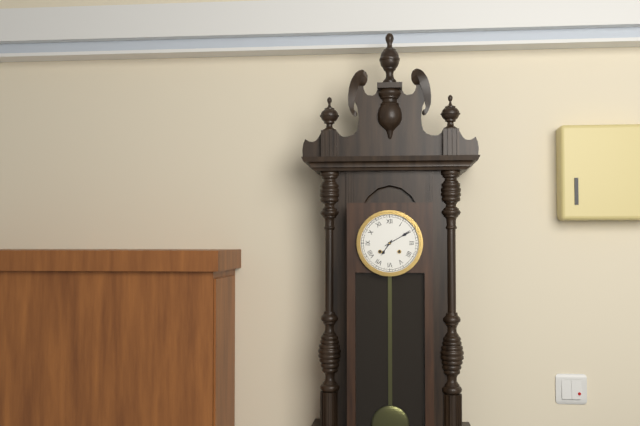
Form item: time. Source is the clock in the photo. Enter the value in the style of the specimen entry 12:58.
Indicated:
7:10
